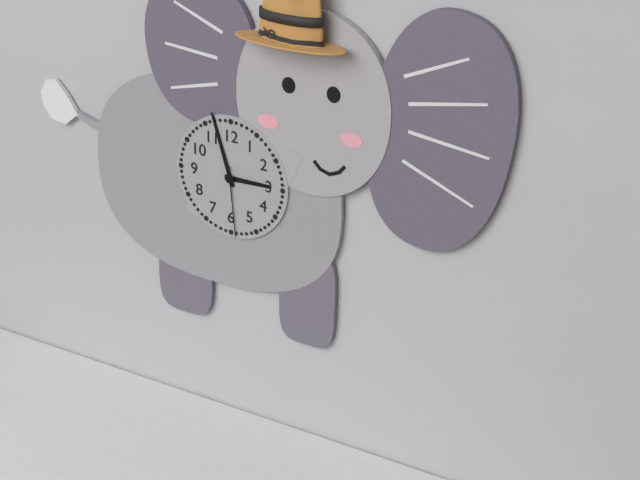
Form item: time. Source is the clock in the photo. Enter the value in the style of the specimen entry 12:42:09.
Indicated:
2:57:29
